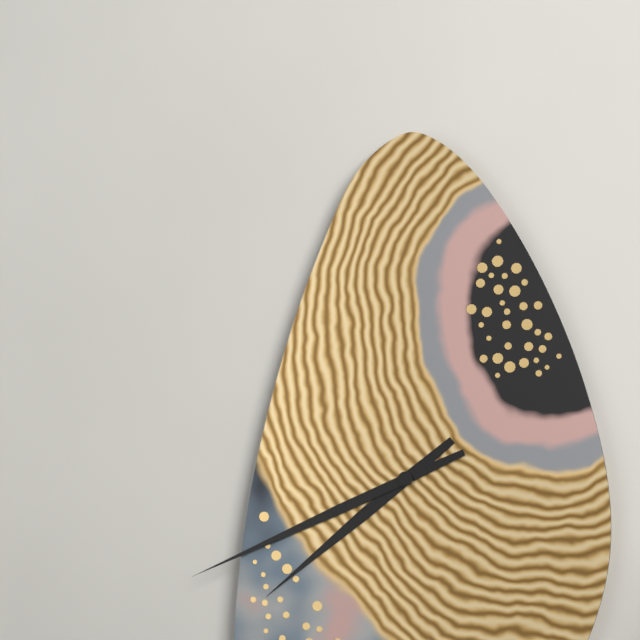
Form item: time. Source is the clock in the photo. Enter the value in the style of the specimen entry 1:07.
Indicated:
7:41
